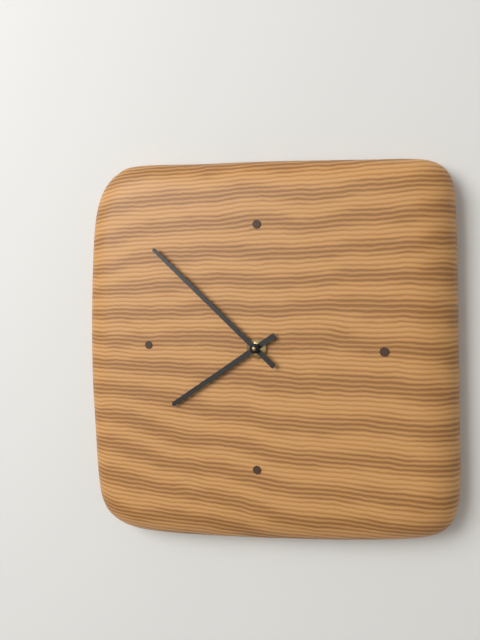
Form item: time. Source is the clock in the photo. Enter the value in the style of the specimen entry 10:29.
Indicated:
7:52
